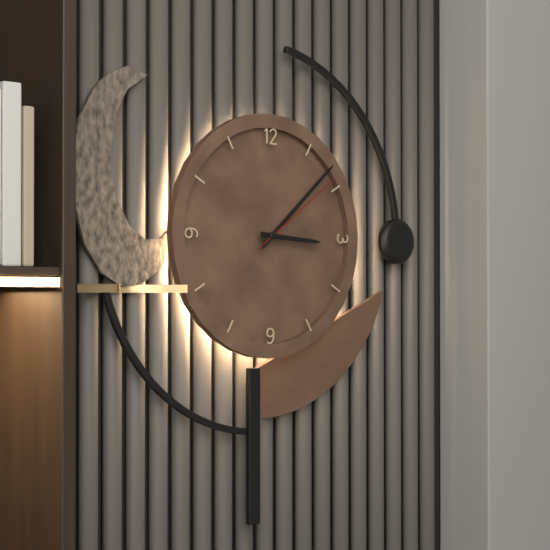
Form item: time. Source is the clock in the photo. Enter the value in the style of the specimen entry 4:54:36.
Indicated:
3:08:09
